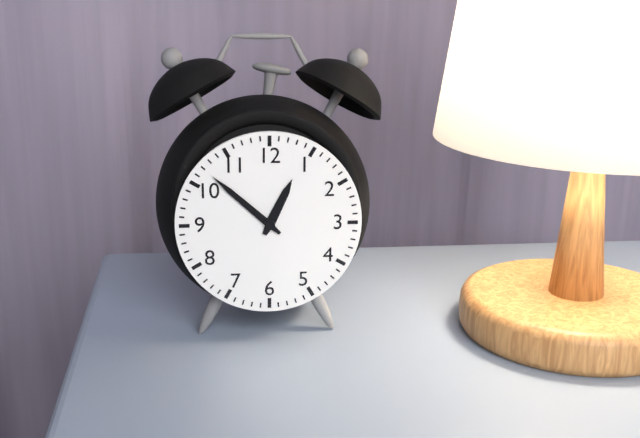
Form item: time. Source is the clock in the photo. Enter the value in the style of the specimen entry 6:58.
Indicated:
12:52
